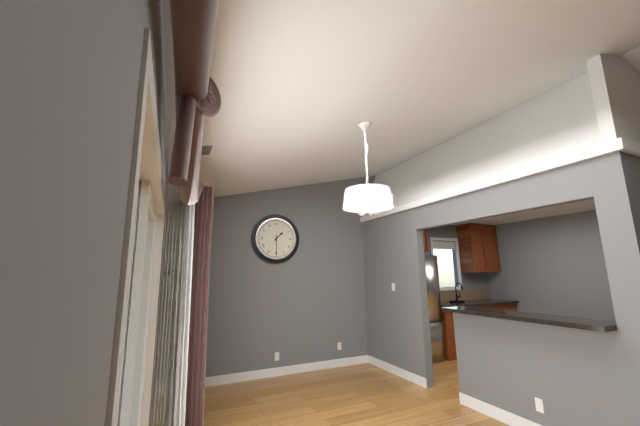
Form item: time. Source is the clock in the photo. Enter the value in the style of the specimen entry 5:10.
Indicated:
1:30
